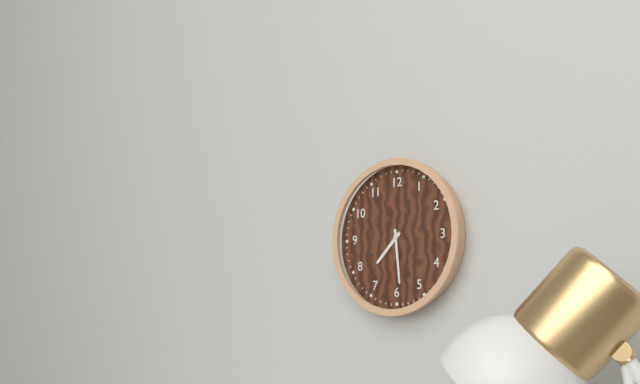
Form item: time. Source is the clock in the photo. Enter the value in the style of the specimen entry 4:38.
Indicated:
7:29
